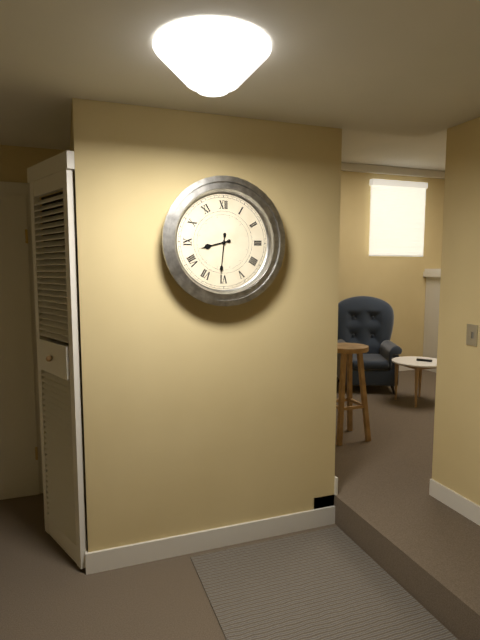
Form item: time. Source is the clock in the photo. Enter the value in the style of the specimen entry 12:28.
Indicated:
8:31
